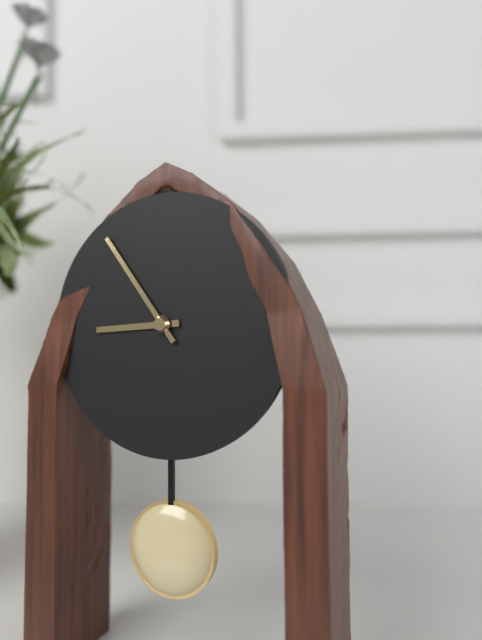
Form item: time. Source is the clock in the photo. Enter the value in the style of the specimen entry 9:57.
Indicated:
8:54
